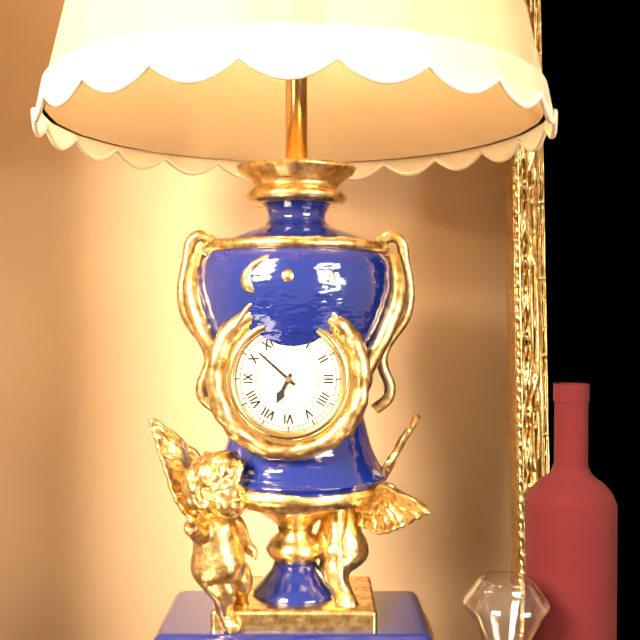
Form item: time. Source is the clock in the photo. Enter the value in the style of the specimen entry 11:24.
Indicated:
6:52
